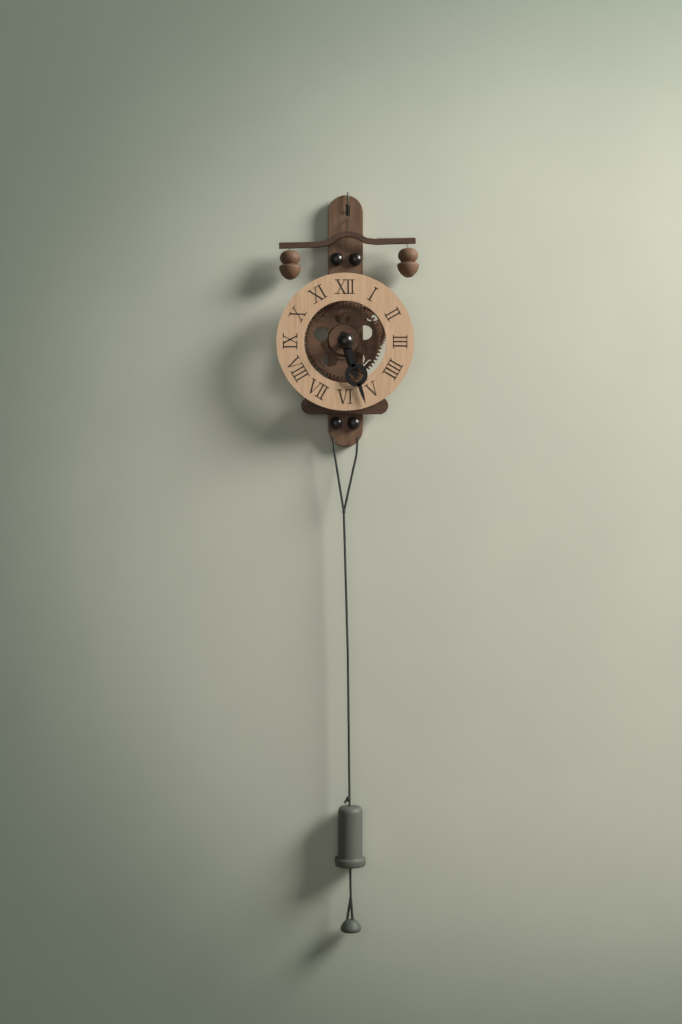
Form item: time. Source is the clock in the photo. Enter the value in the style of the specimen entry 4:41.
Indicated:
5:27
